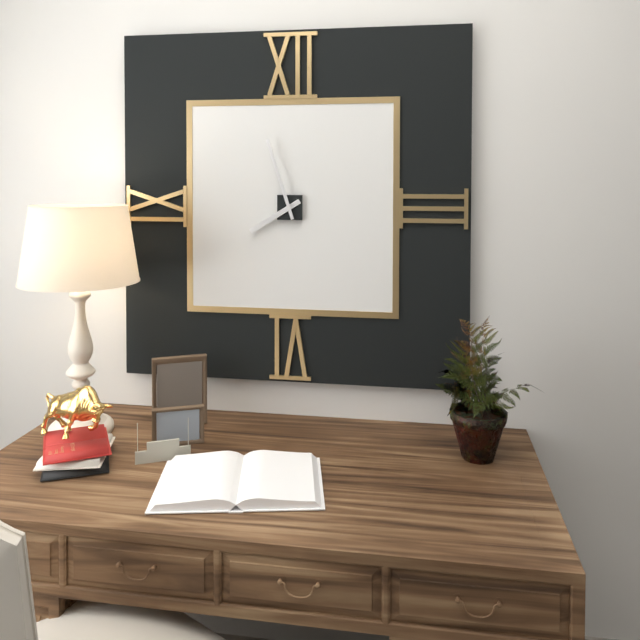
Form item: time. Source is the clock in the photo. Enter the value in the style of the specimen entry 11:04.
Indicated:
7:57
